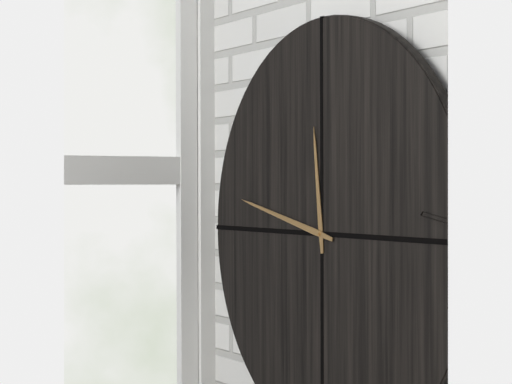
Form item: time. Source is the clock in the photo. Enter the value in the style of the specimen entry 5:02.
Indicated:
11:47
